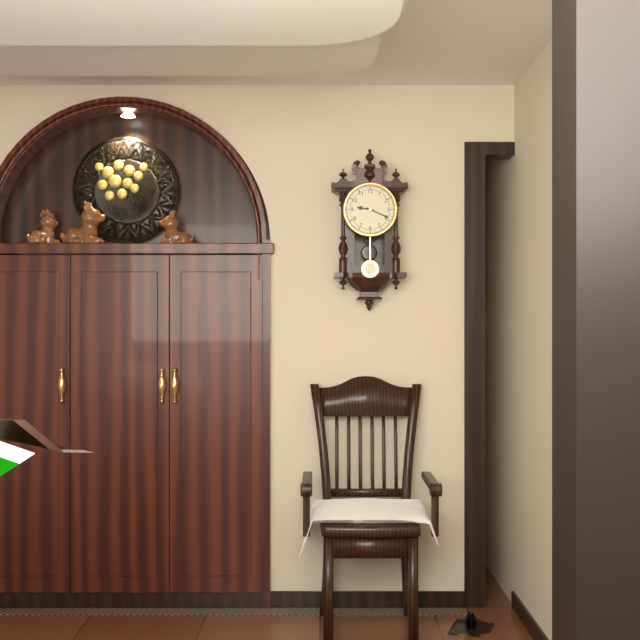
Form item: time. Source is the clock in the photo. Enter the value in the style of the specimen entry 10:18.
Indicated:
9:19
